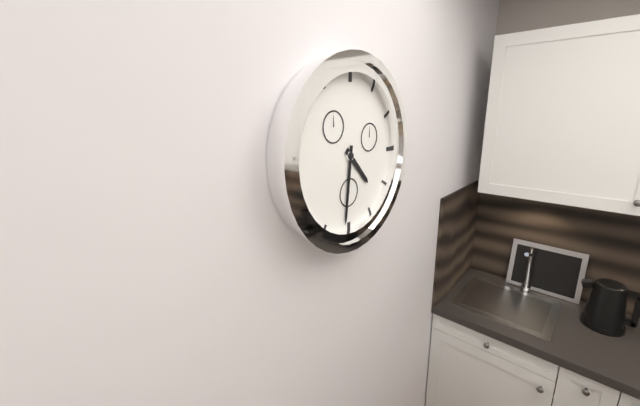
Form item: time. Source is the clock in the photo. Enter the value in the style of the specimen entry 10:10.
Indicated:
4:31
